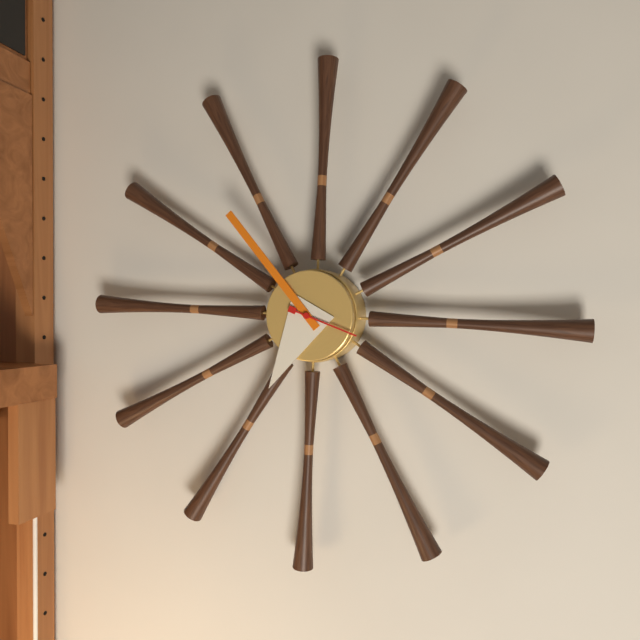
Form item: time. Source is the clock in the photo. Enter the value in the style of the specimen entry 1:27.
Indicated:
6:53
